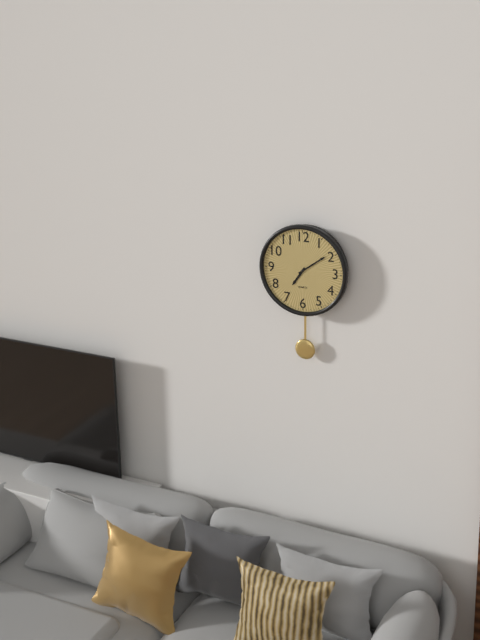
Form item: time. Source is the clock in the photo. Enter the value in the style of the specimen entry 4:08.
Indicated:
7:09
